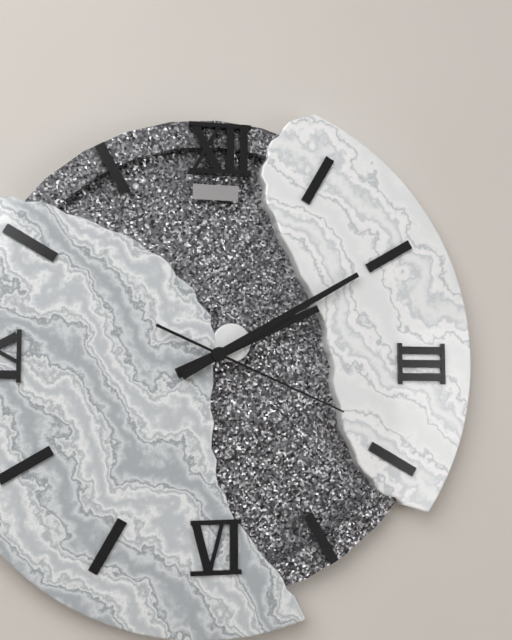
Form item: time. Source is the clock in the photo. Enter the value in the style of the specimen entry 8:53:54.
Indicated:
2:10:19
